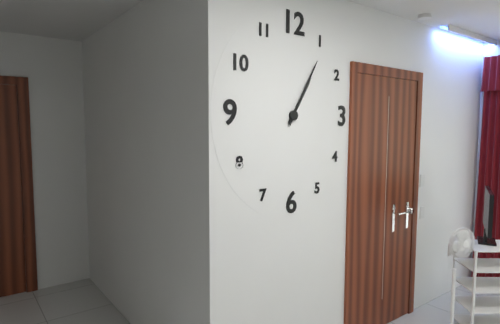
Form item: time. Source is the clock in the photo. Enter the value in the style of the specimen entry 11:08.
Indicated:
1:05
